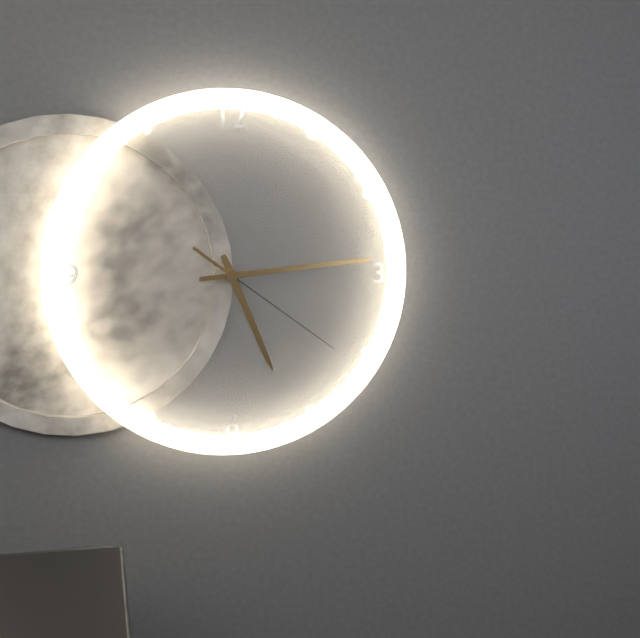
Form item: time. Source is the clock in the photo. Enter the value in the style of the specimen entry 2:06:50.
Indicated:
5:14:21
